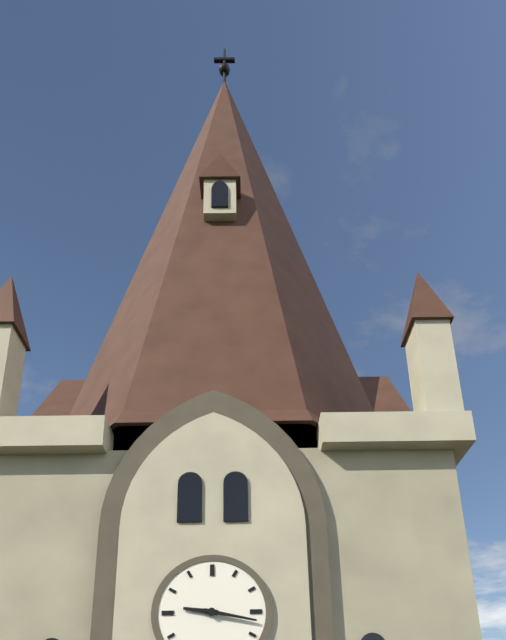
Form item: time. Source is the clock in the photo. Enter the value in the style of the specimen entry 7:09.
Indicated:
9:17
